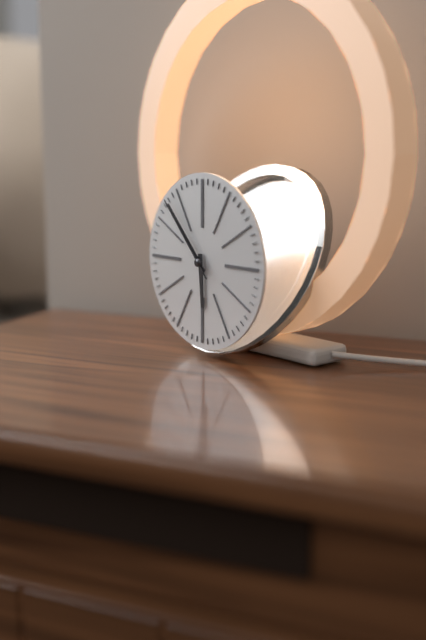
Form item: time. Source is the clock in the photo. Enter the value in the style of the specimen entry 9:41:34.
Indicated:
5:53:53
